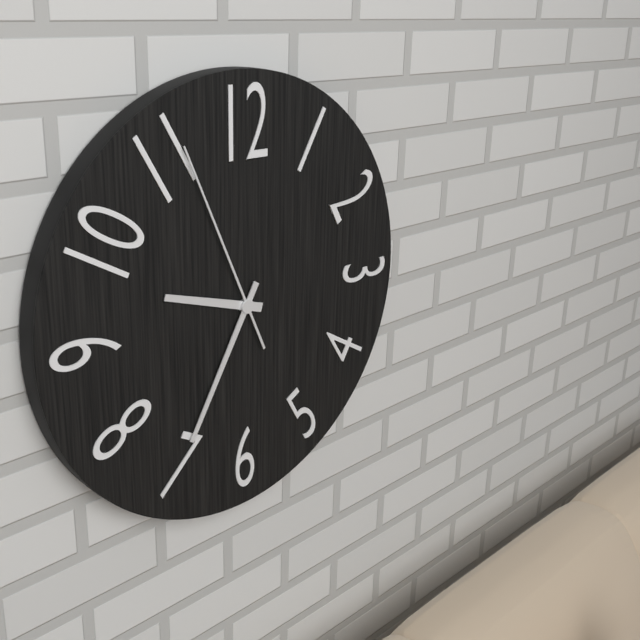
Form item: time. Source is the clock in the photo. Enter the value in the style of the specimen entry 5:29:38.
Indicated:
9:35:56
